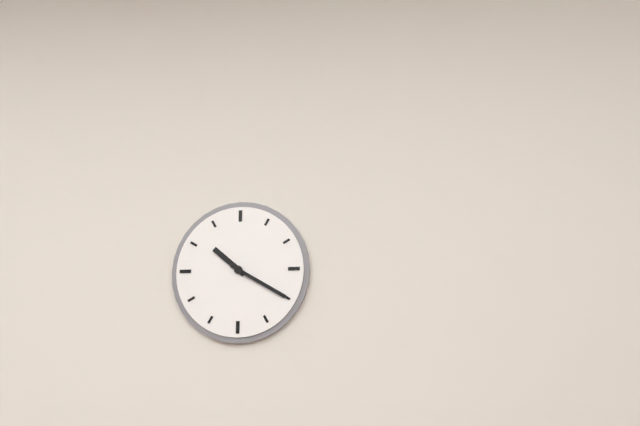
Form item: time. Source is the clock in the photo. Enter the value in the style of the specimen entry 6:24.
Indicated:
10:20
